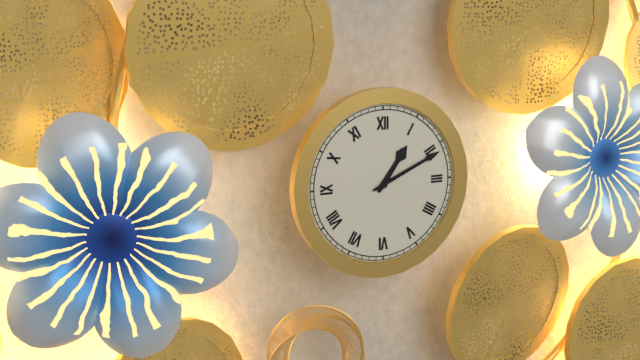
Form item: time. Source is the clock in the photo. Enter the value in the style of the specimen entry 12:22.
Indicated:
1:11
